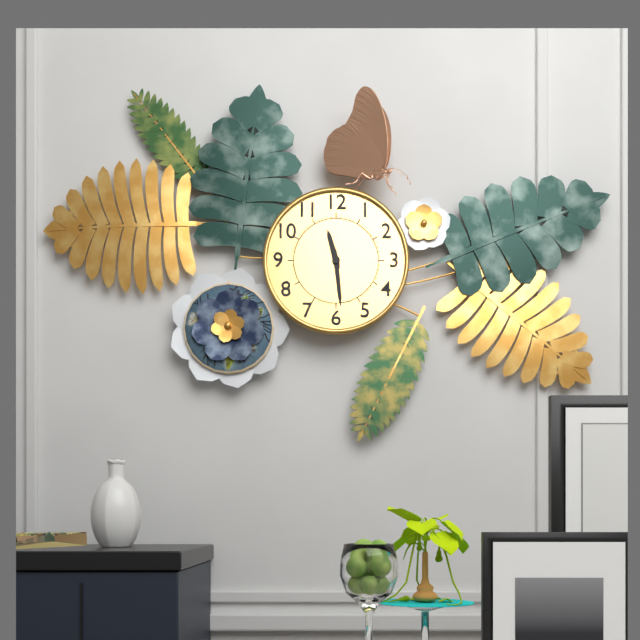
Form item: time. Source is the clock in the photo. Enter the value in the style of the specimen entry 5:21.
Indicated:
11:29
